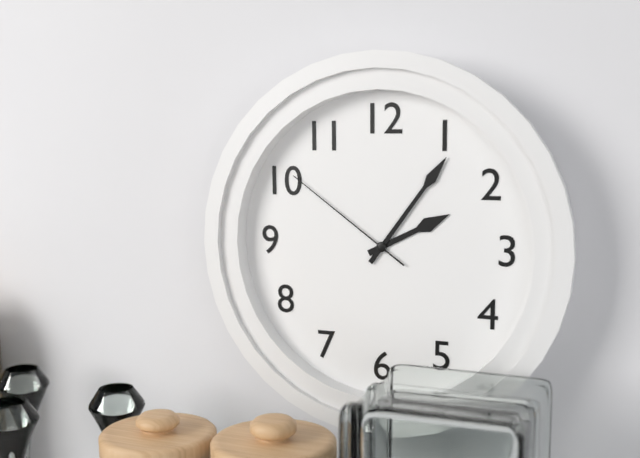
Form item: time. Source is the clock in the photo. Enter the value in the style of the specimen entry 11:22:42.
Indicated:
2:06:51
